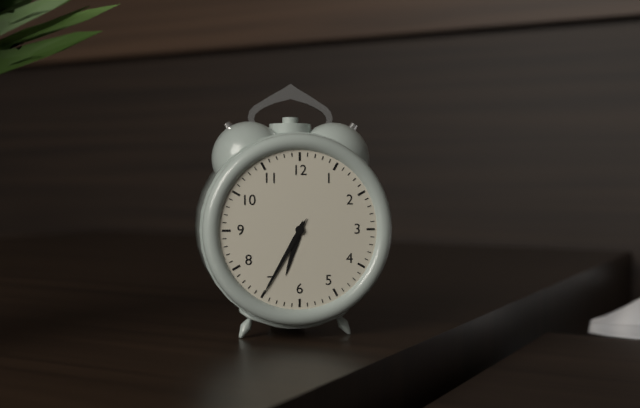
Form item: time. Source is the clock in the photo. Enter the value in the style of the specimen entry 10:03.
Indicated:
6:35
